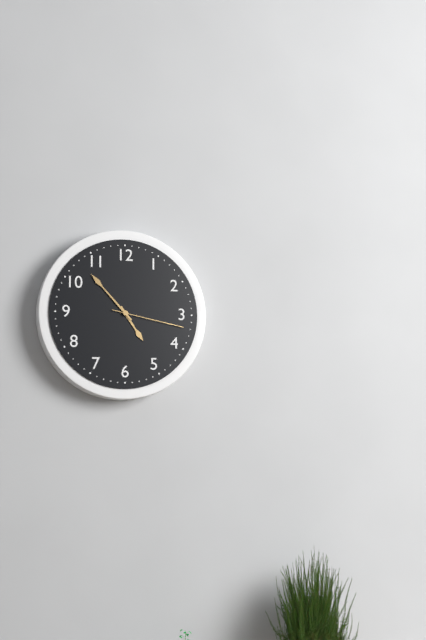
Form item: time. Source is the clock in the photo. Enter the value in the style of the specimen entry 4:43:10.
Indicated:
4:53:17
